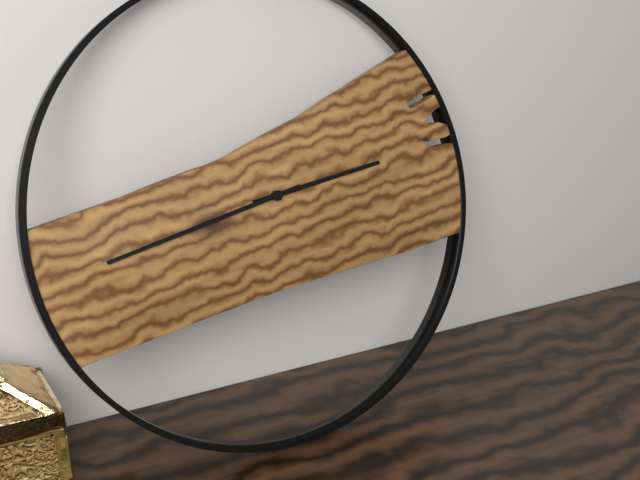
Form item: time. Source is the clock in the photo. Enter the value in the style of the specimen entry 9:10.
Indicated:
2:43
